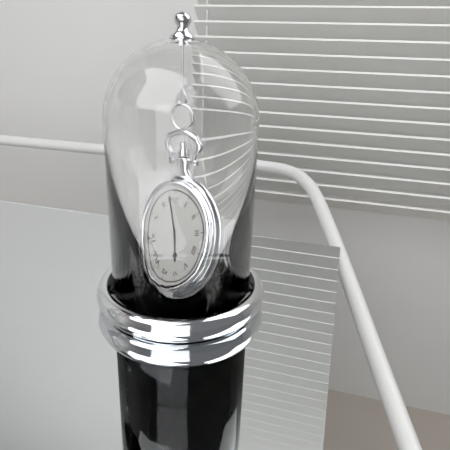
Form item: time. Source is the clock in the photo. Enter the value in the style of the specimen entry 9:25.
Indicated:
5:58
